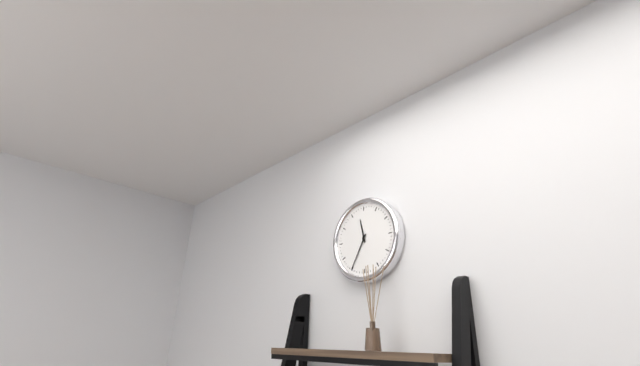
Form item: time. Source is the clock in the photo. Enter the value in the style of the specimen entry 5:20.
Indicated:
11:35
